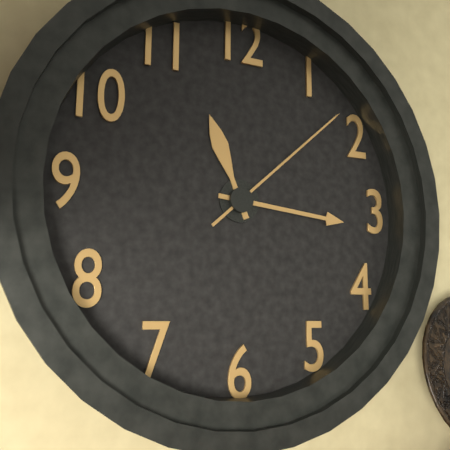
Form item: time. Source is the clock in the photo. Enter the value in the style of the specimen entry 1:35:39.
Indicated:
11:16:08
